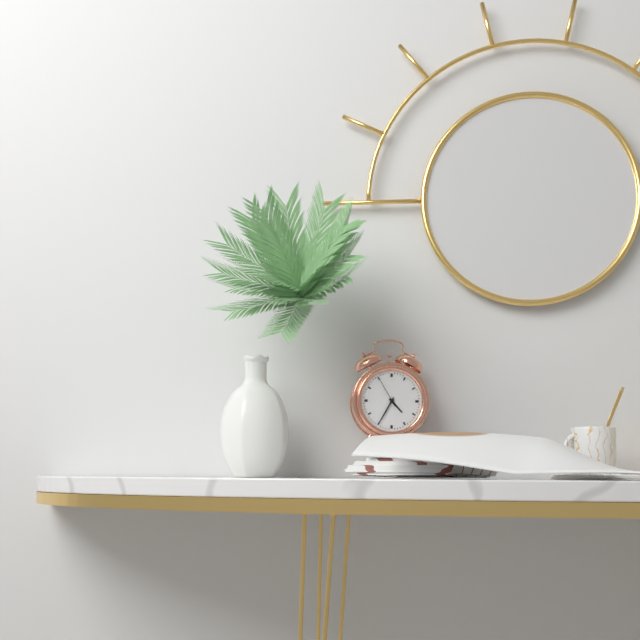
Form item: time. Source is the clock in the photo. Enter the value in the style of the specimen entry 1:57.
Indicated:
4:35
